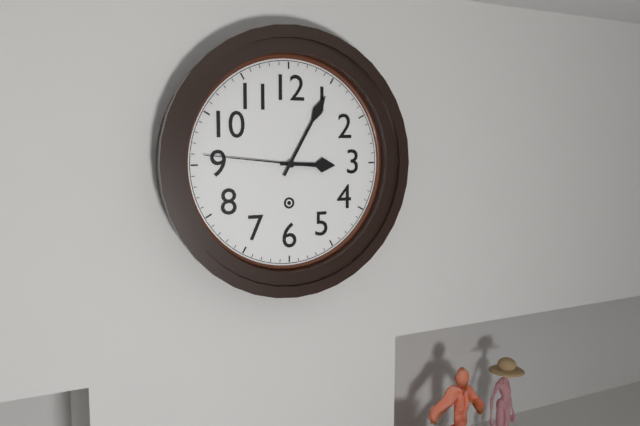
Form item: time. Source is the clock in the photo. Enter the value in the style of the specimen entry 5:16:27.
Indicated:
3:05:46
